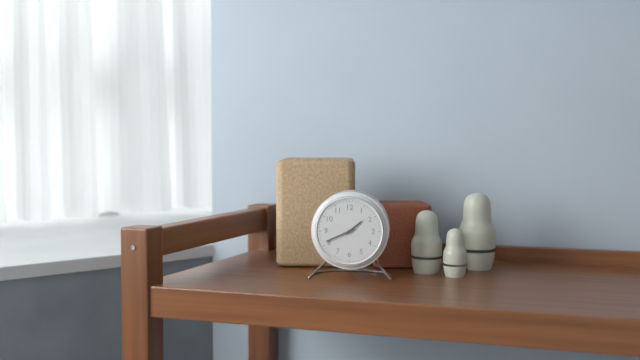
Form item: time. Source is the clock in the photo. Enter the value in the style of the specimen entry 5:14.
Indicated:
1:41
